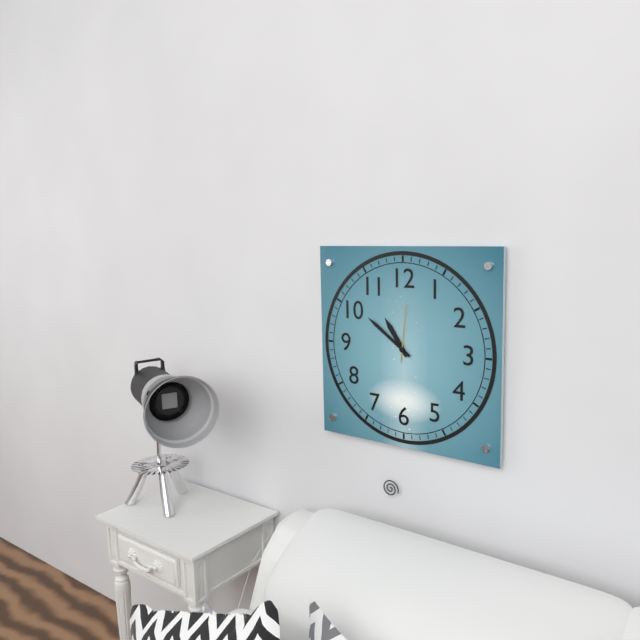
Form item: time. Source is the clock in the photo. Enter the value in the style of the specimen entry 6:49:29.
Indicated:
10:51:01
